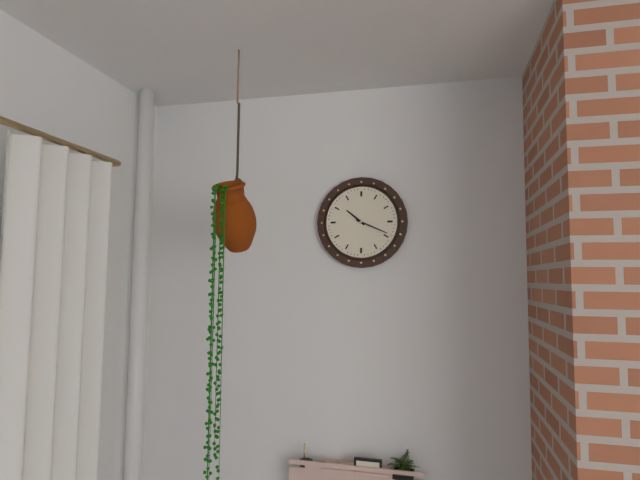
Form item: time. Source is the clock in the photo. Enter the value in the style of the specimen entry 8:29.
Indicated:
10:19
